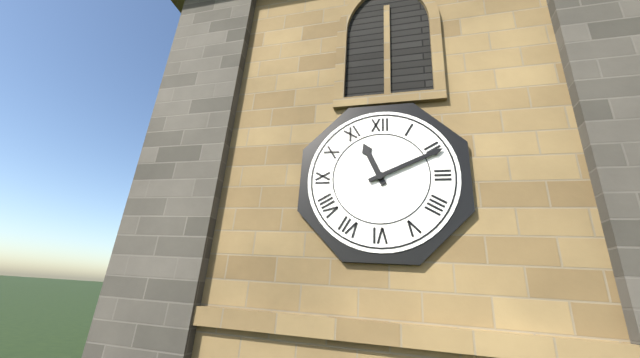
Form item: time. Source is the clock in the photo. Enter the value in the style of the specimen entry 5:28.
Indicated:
11:11
